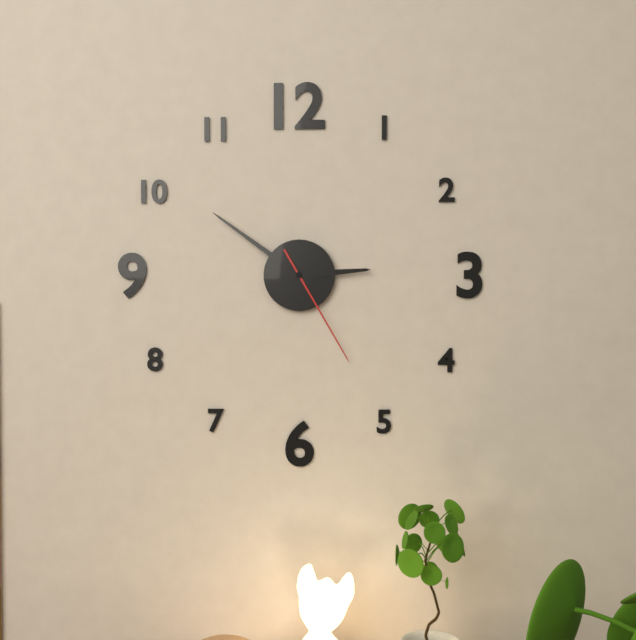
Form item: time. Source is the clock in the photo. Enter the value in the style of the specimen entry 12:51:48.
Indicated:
2:51:25
